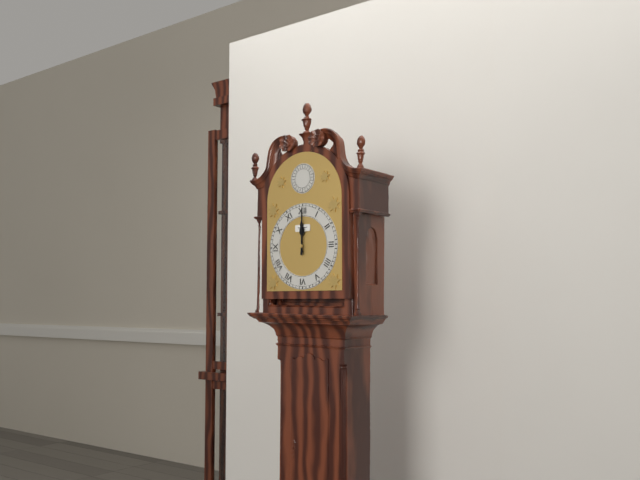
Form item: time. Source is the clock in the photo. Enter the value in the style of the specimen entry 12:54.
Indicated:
12:00
